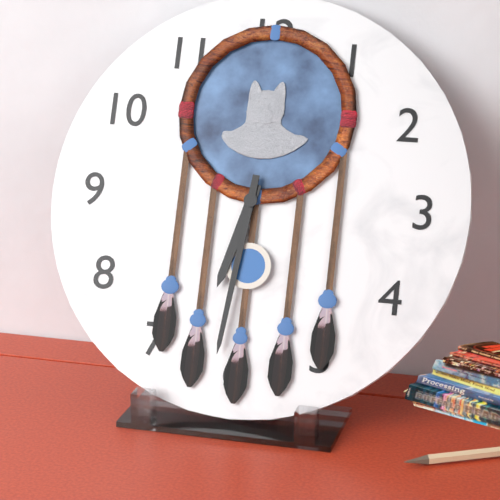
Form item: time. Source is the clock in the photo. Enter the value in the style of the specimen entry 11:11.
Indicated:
6:31
